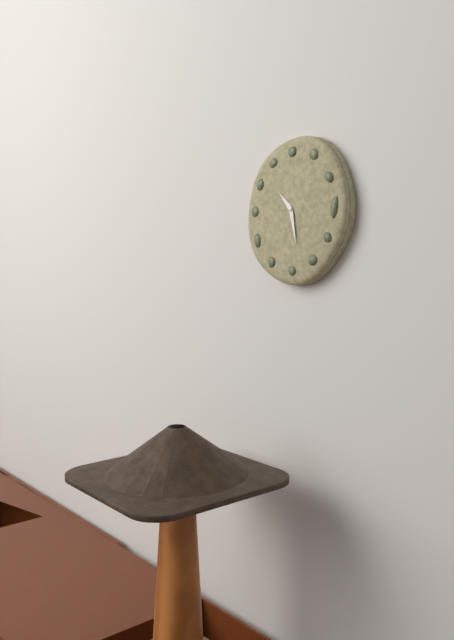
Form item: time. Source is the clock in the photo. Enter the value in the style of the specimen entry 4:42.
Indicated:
10:28
